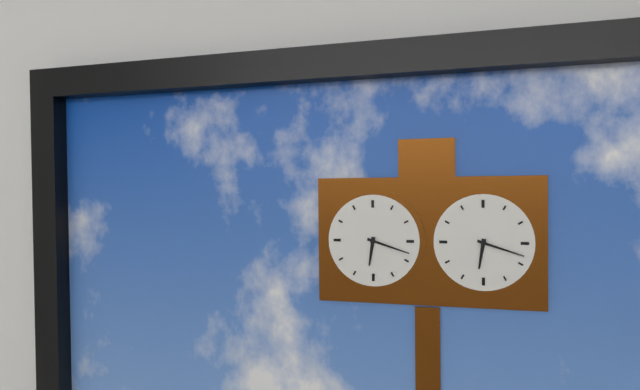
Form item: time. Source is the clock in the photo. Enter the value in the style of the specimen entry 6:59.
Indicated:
6:18
